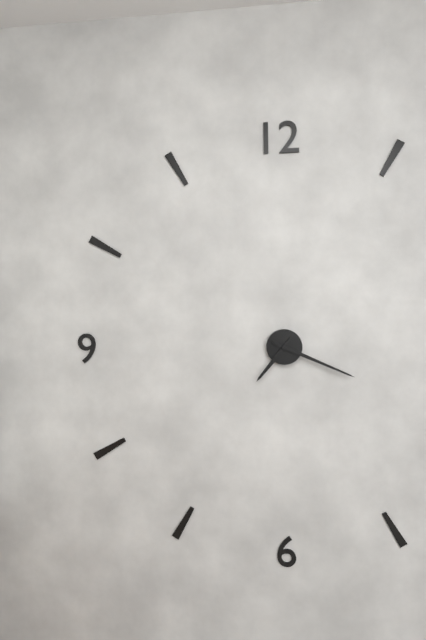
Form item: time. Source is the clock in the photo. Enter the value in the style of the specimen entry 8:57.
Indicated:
7:19
